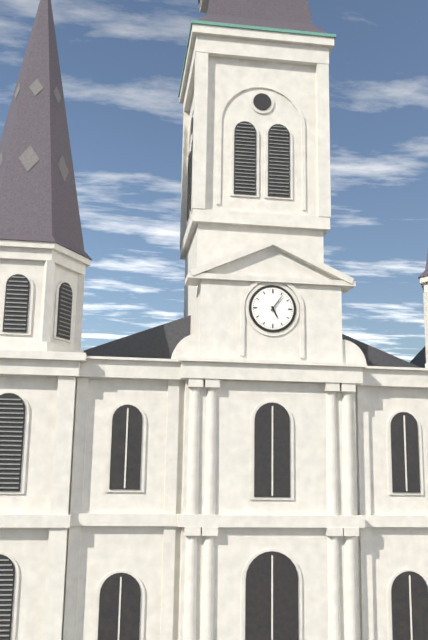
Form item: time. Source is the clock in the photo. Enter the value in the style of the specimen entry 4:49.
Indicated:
5:06
